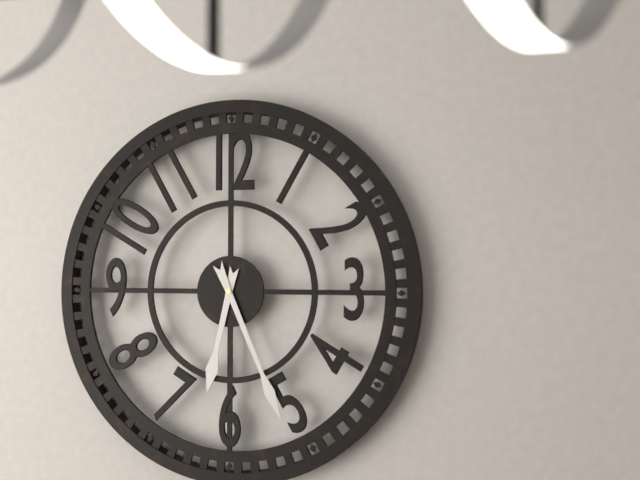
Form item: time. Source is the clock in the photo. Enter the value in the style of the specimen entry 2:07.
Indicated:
6:26
